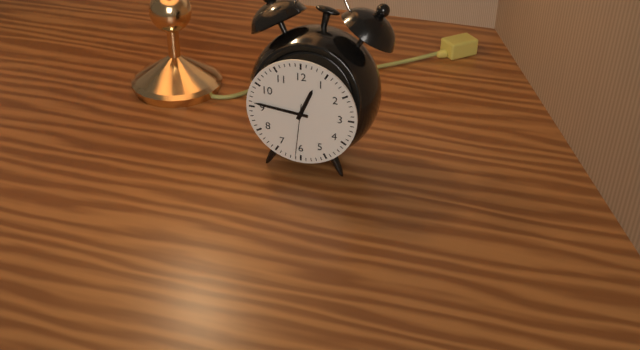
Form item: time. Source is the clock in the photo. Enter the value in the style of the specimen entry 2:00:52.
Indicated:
12:46:31
